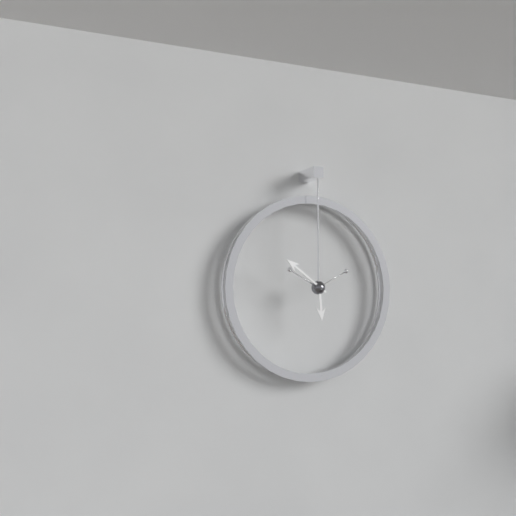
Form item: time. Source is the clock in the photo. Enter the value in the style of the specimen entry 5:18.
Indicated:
5:51
